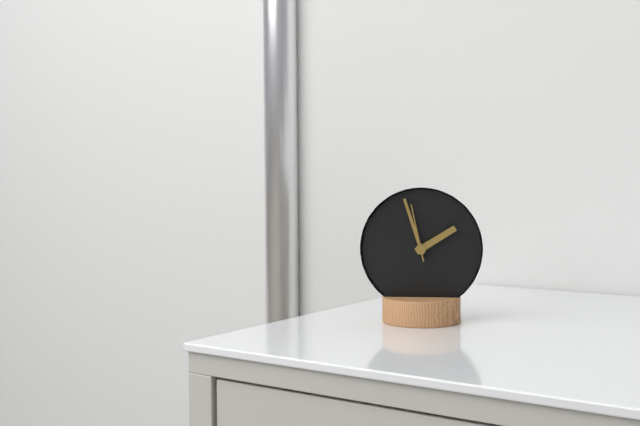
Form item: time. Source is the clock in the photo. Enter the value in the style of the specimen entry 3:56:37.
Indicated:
1:57:58
